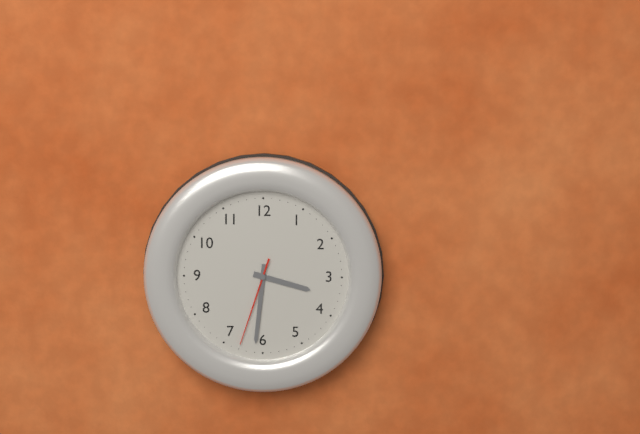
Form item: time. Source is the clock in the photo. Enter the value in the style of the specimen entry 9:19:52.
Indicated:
3:31:33
